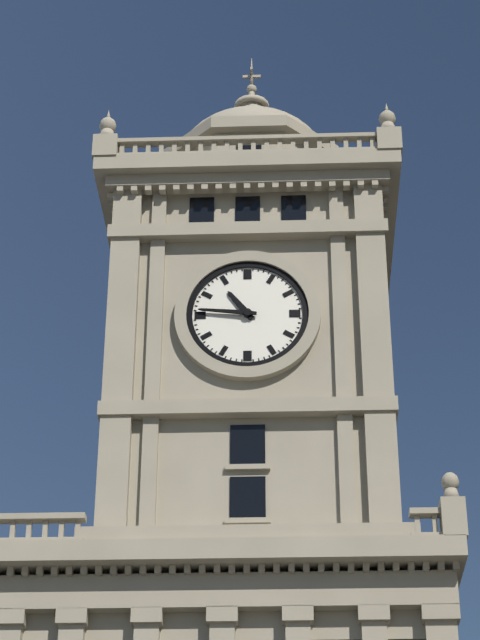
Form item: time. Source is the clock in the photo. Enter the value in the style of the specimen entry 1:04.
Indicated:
10:46
